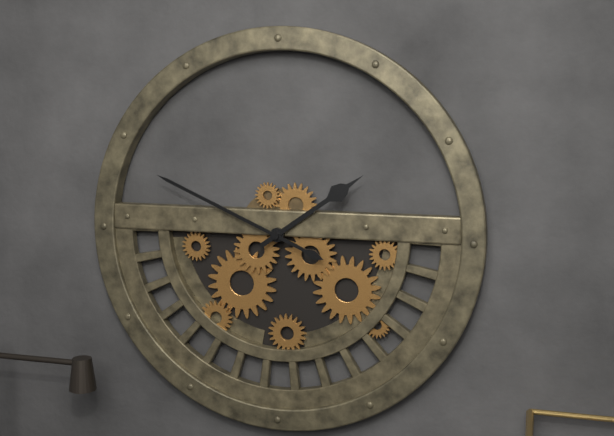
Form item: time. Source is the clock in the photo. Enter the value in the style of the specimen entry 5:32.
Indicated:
1:49
